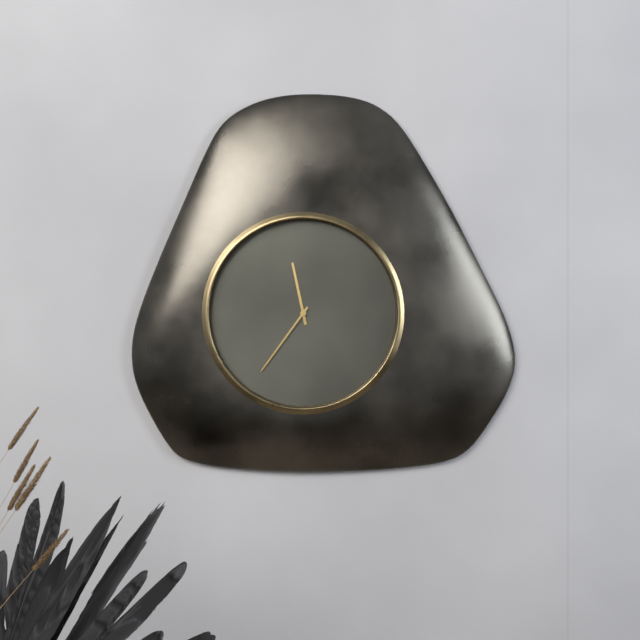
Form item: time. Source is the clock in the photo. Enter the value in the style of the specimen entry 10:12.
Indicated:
11:36
